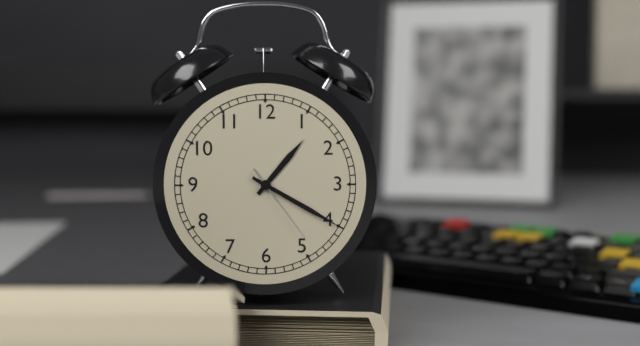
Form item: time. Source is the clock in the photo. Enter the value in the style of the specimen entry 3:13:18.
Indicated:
1:20:24
